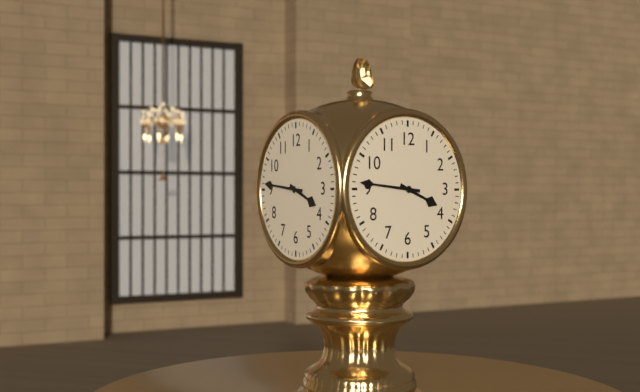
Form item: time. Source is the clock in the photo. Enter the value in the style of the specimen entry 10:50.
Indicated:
3:46
